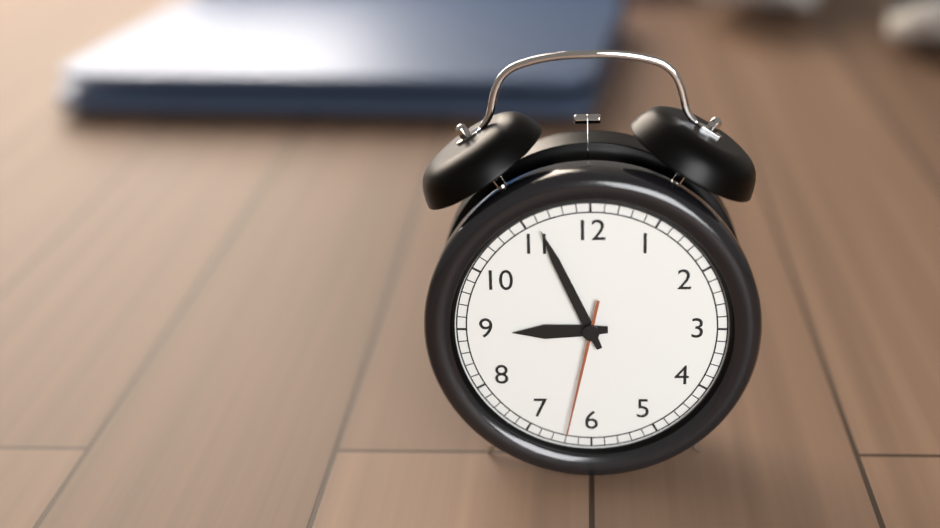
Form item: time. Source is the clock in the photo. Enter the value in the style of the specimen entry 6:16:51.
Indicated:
8:56:32
